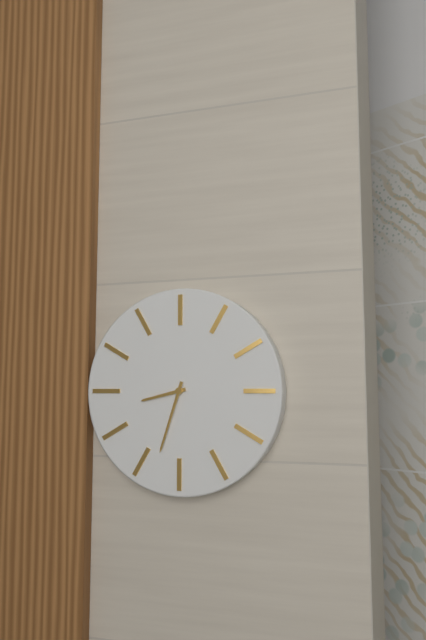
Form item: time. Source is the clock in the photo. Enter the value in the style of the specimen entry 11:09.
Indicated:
8:33
